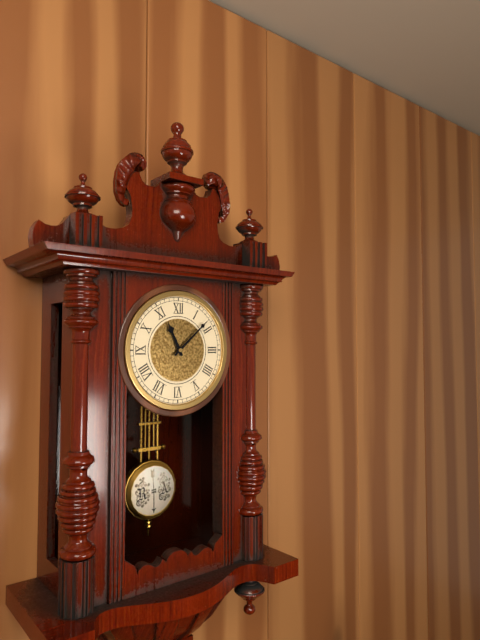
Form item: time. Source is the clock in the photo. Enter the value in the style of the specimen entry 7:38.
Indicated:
11:08
